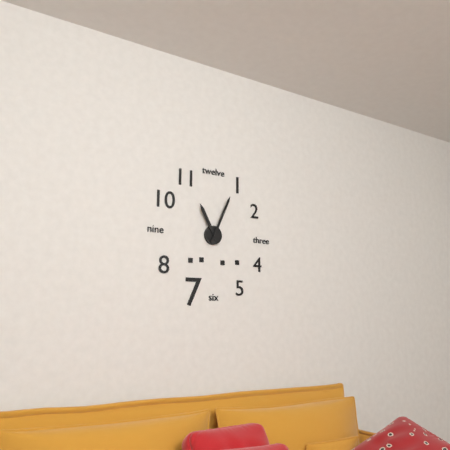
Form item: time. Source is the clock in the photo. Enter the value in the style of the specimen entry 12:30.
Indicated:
11:04
